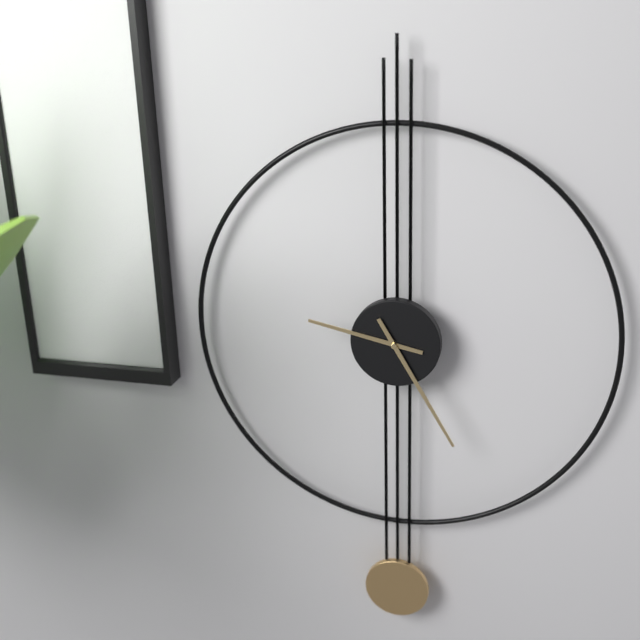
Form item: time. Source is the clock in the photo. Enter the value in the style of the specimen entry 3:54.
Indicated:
9:25
